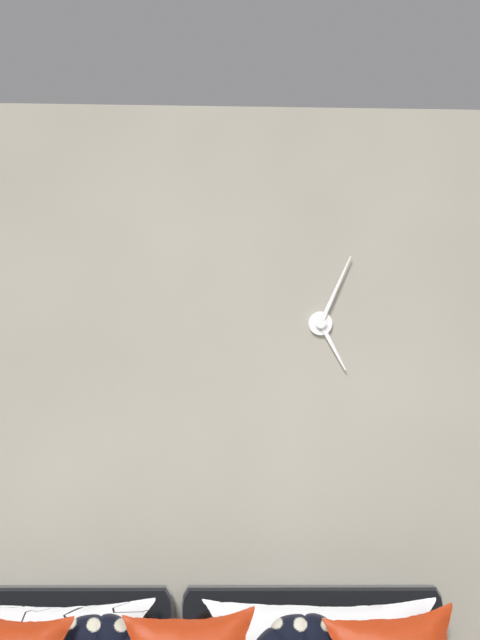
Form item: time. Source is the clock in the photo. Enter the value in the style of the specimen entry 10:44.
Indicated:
5:04
